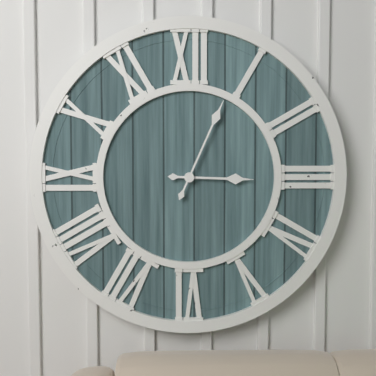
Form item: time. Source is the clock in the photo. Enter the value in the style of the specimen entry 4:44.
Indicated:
3:04
